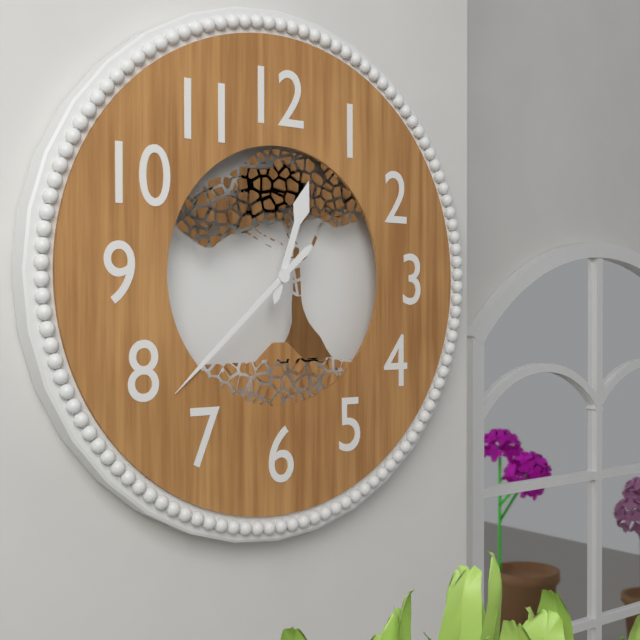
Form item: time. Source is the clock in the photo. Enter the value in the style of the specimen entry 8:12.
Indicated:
12:38
